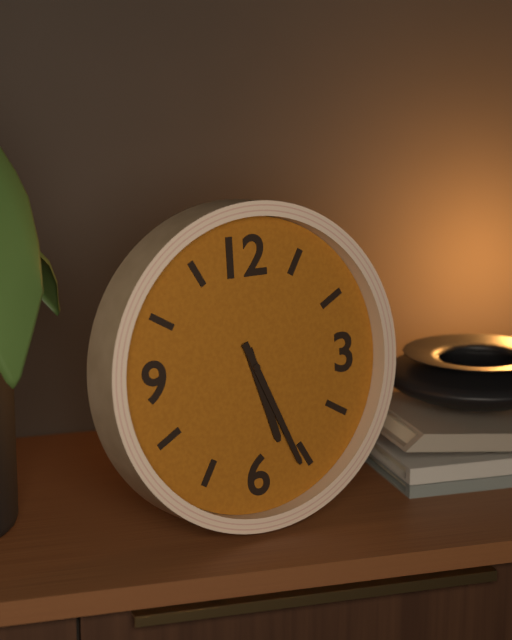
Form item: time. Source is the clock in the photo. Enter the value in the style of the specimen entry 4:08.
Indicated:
5:26
